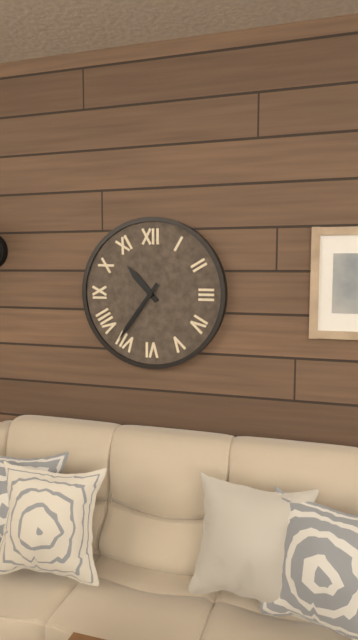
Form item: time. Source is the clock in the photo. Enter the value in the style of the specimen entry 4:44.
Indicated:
10:36
